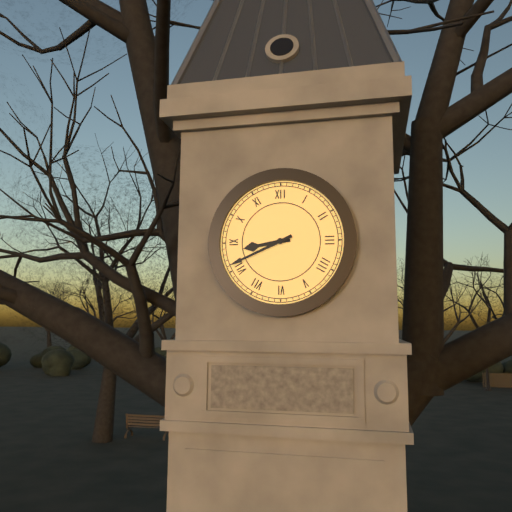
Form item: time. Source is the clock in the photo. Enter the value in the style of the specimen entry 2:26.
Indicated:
8:41
